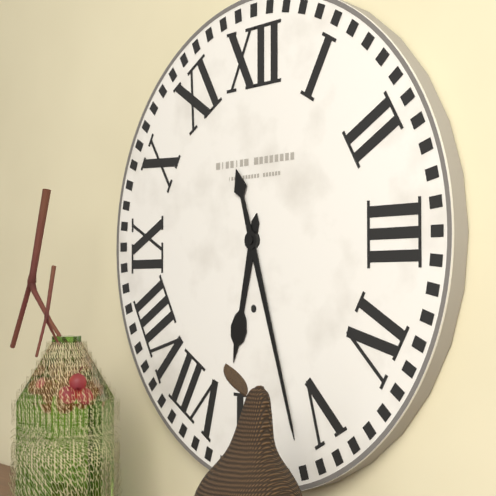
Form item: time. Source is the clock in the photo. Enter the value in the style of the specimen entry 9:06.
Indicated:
6:27
